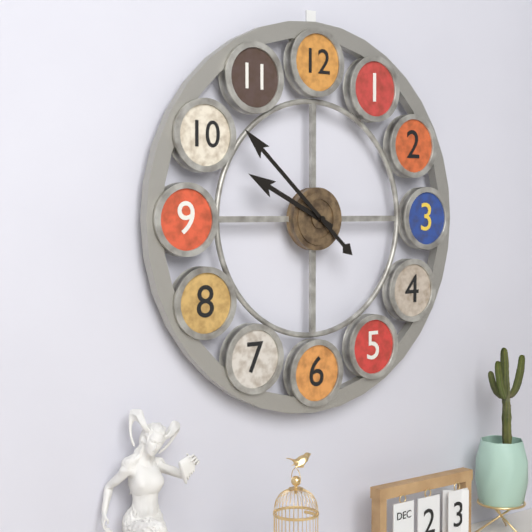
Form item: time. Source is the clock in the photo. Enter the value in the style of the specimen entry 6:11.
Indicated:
9:52
